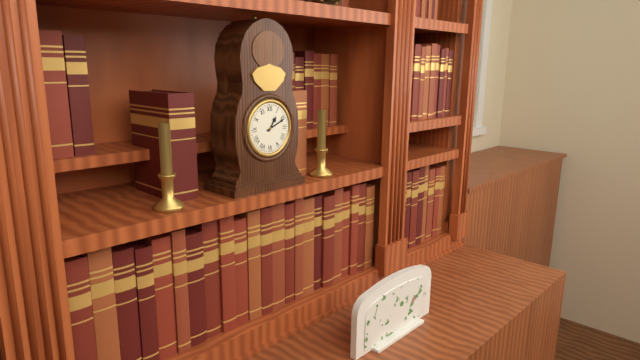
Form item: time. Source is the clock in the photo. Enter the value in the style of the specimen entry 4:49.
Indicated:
1:11
